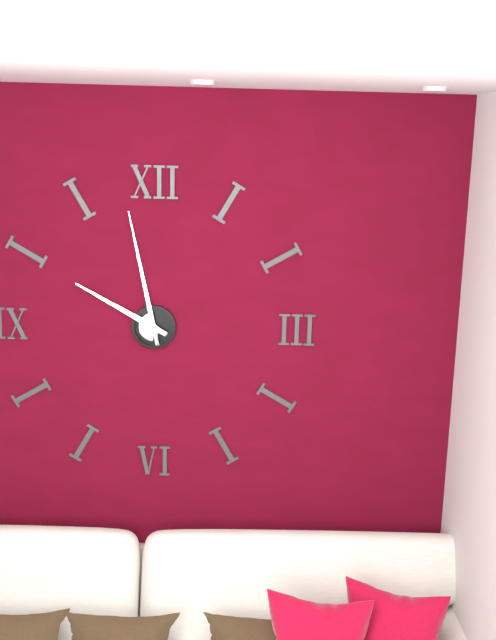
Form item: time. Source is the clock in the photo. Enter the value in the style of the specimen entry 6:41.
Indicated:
9:58
